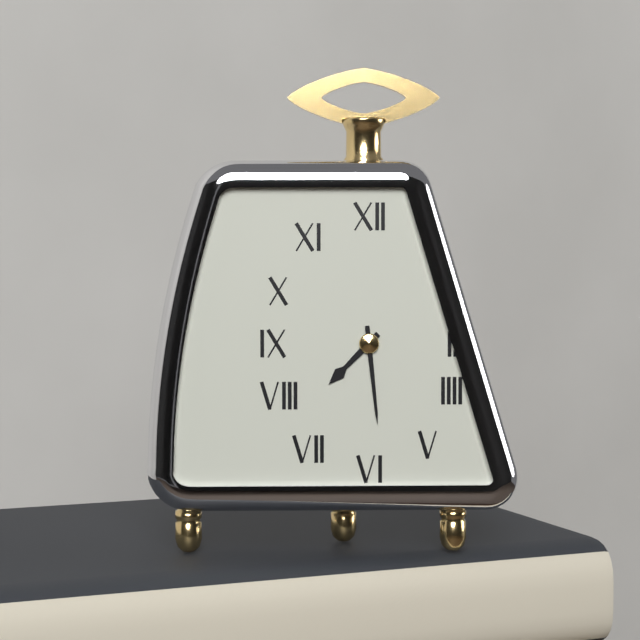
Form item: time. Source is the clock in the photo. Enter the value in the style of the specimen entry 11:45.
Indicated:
7:29
